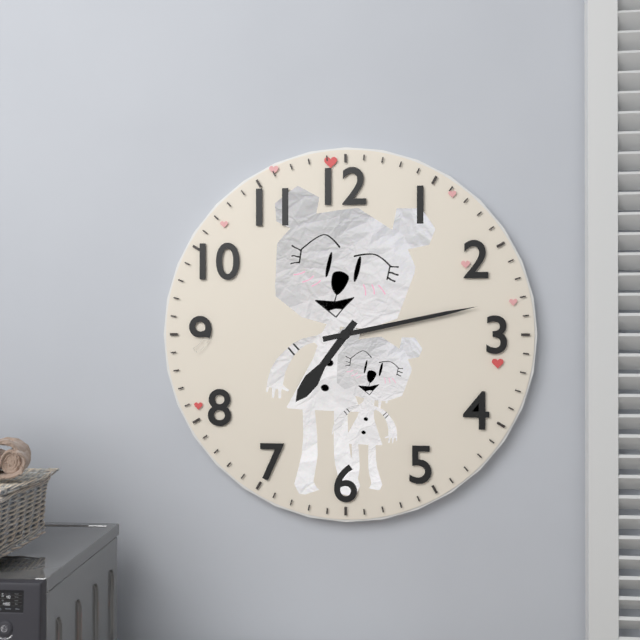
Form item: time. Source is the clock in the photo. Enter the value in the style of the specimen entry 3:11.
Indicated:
7:13
